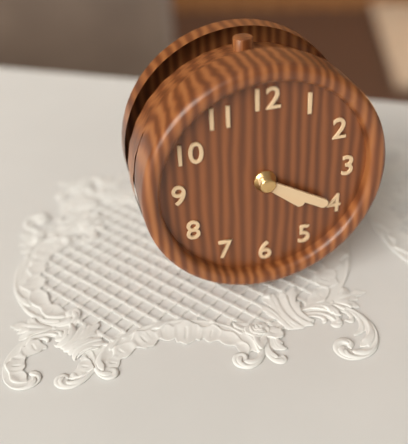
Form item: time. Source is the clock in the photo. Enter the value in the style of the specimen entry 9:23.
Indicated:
4:20
